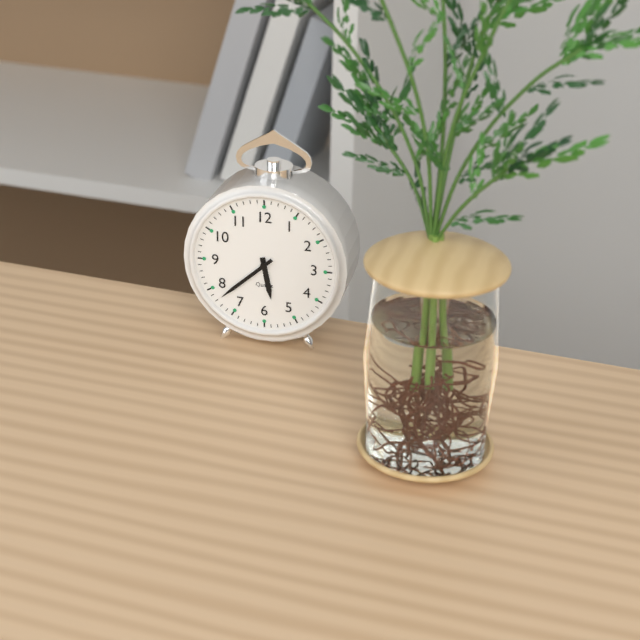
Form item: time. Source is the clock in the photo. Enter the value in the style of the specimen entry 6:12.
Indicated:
5:38
